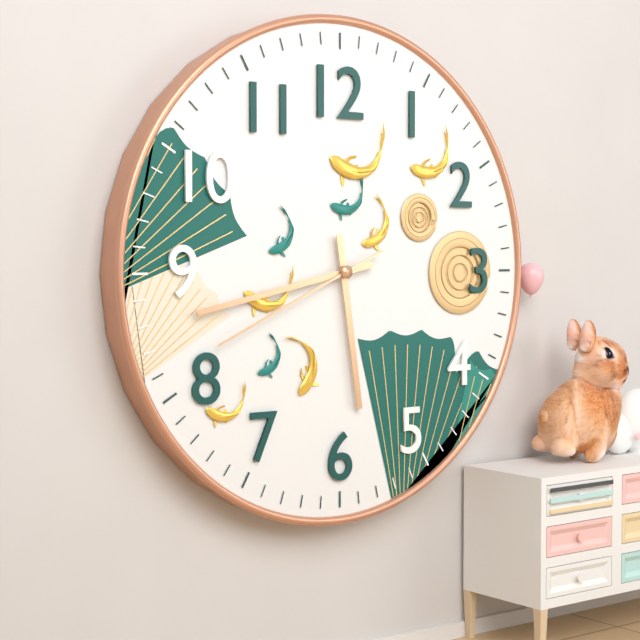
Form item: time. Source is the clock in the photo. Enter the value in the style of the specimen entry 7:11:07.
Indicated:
5:43:41
